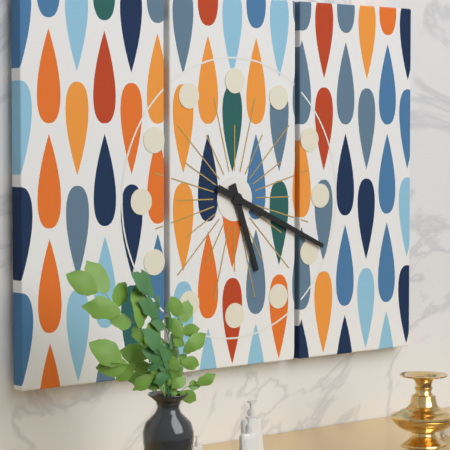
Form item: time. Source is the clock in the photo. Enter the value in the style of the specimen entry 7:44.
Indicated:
5:19
